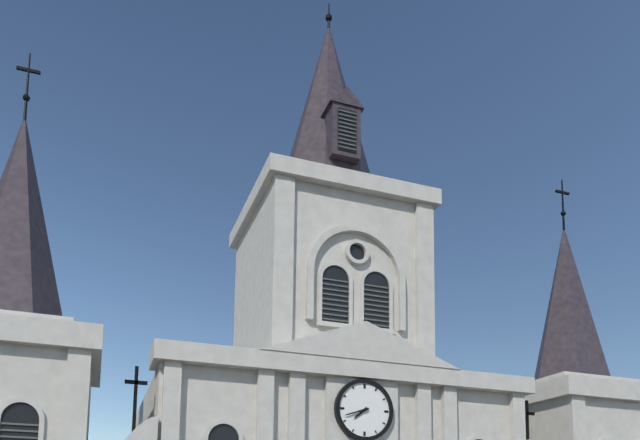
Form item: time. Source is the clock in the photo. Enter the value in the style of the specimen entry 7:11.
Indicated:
7:42
